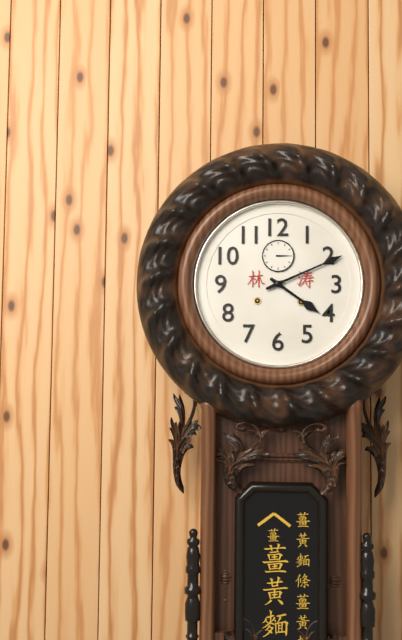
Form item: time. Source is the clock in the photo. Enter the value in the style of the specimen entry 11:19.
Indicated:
4:11
